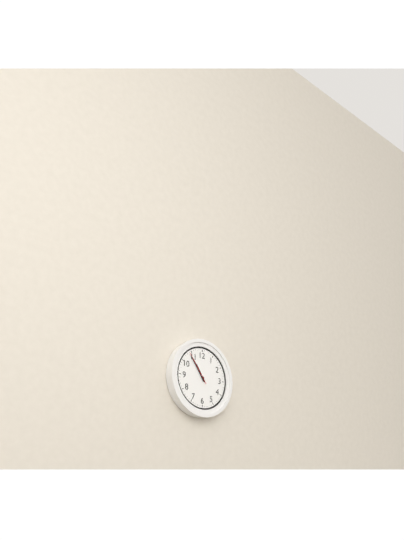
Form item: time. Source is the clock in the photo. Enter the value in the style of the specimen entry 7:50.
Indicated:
10:54
